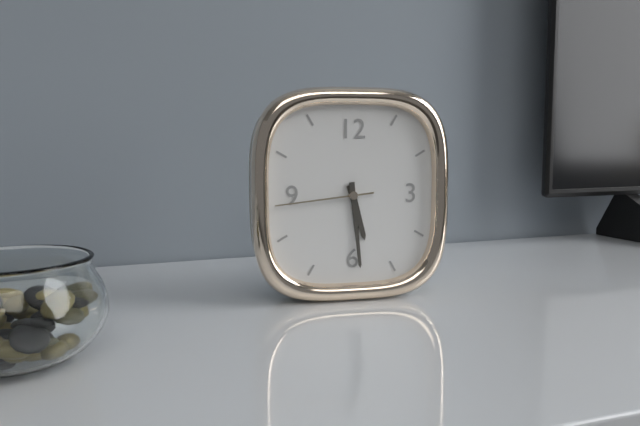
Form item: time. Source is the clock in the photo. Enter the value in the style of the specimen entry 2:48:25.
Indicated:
5:29:44
